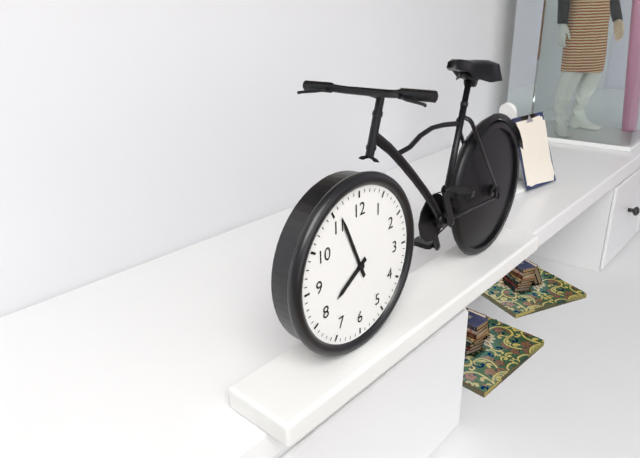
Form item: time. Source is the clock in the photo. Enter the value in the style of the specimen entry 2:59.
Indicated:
7:56
